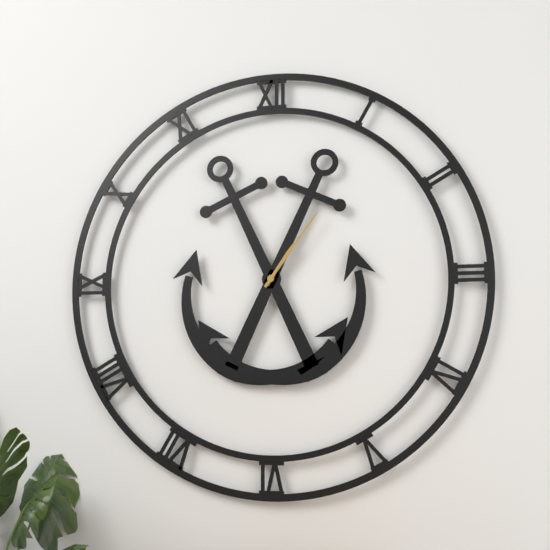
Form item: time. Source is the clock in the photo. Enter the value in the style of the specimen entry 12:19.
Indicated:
1:06
